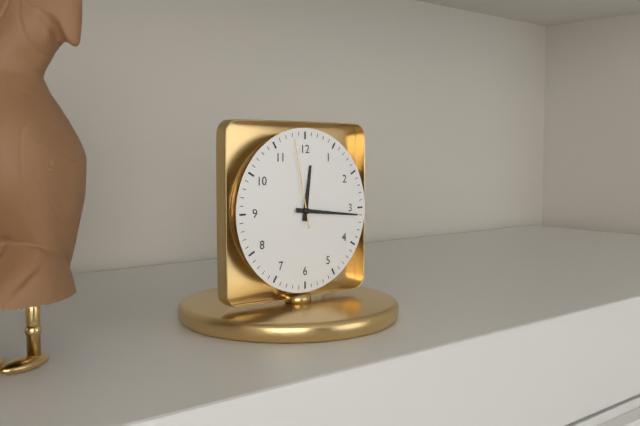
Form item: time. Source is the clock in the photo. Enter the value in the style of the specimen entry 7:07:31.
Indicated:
12:16:58
